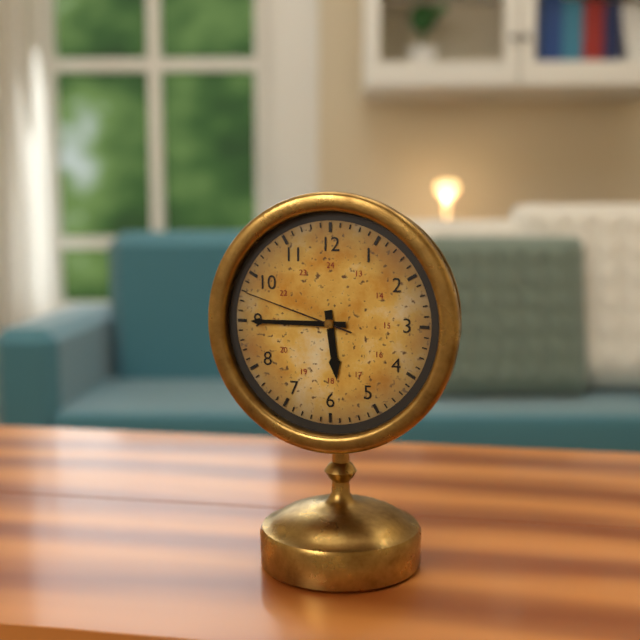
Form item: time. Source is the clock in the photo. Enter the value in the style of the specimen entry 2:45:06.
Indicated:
5:45:48
